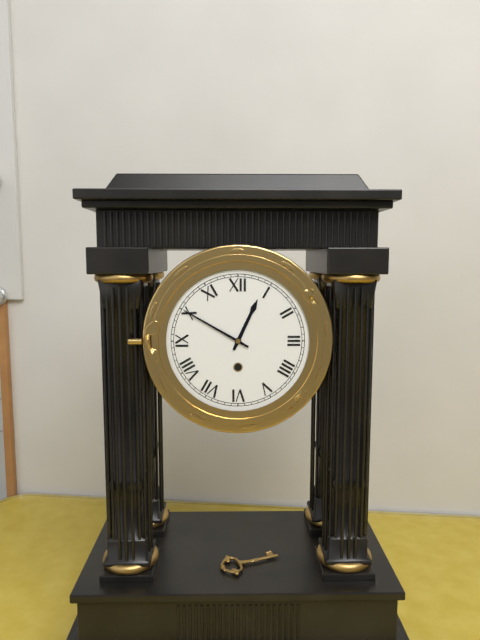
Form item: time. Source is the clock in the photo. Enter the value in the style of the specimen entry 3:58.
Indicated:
12:50
